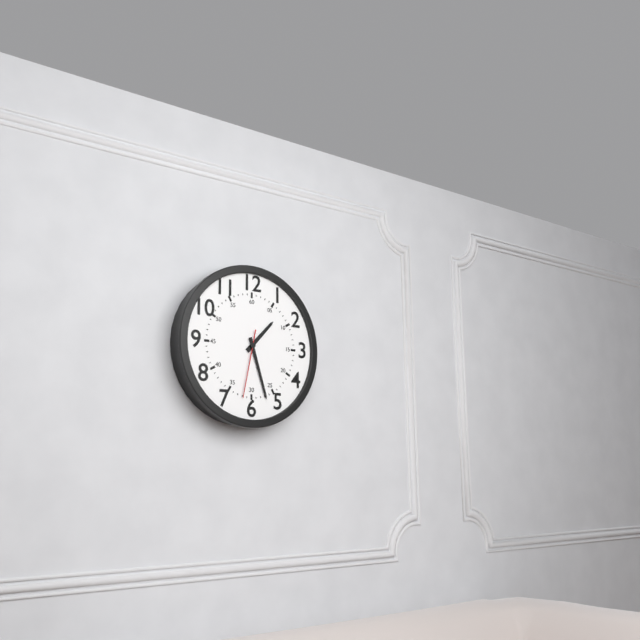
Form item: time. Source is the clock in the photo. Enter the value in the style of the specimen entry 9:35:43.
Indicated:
1:27:32
